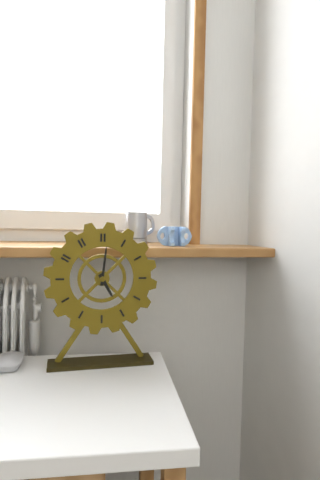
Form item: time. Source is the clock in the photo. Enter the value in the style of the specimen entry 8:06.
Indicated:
5:01
